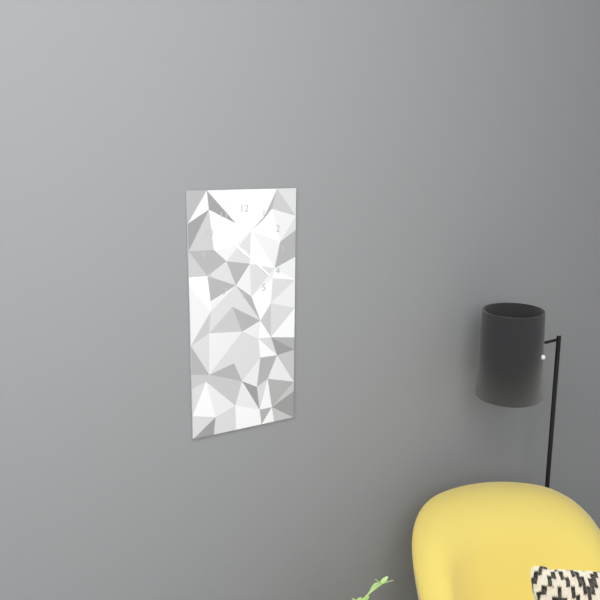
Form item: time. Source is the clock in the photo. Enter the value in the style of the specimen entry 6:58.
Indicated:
10:22
